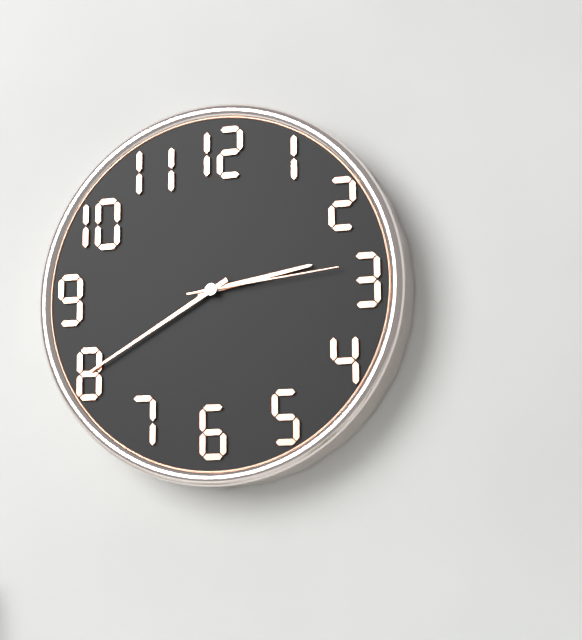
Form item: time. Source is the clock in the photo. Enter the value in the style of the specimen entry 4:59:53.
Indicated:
2:40:14
